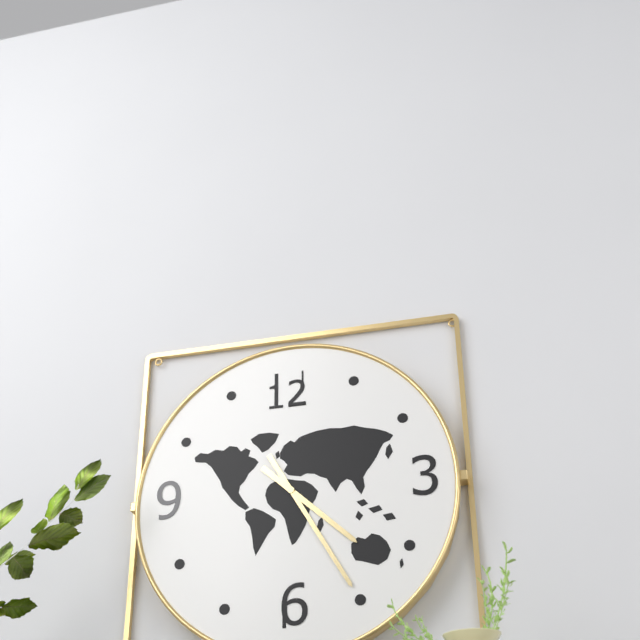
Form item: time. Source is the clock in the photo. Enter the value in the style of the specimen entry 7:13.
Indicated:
4:25
